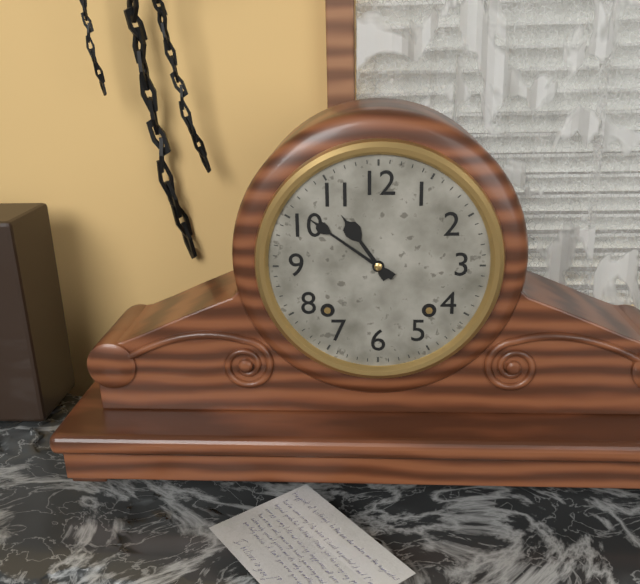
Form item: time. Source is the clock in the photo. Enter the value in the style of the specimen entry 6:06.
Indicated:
10:51
